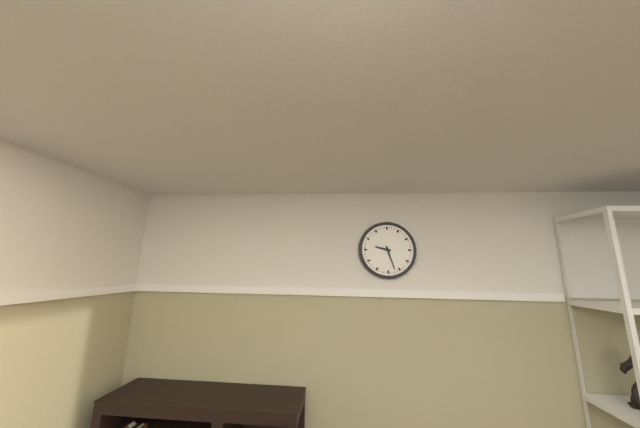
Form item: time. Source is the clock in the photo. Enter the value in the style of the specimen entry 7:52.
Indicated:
9:27
